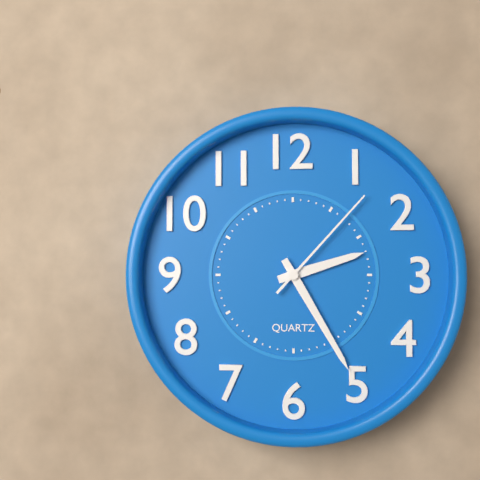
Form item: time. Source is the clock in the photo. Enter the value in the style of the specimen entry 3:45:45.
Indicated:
2:25:07
